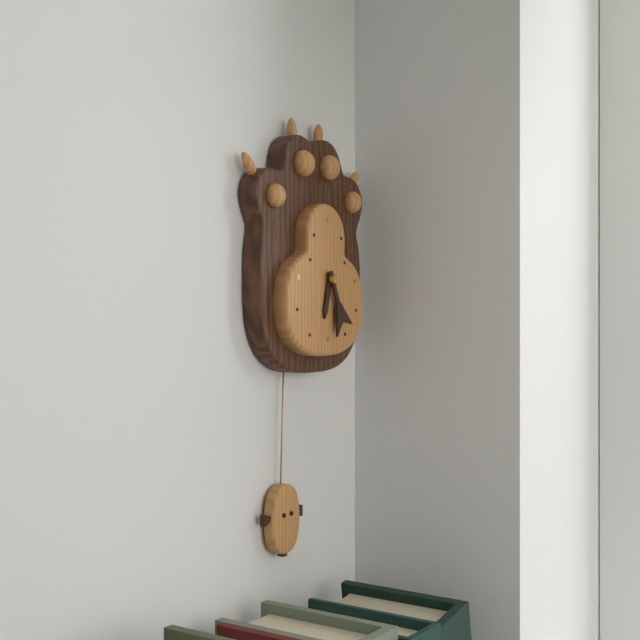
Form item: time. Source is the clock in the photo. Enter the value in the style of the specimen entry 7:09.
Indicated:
6:26
